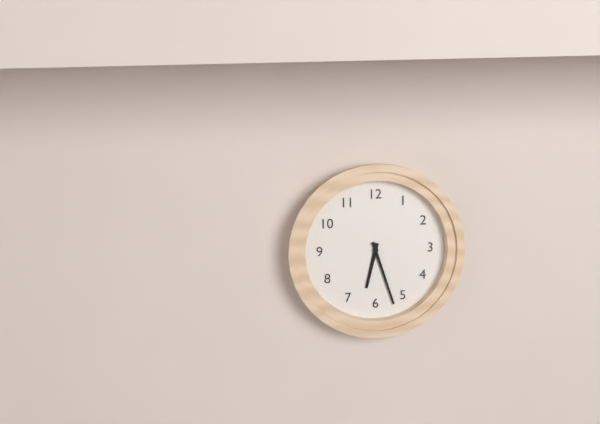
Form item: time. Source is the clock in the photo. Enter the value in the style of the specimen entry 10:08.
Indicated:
6:27
